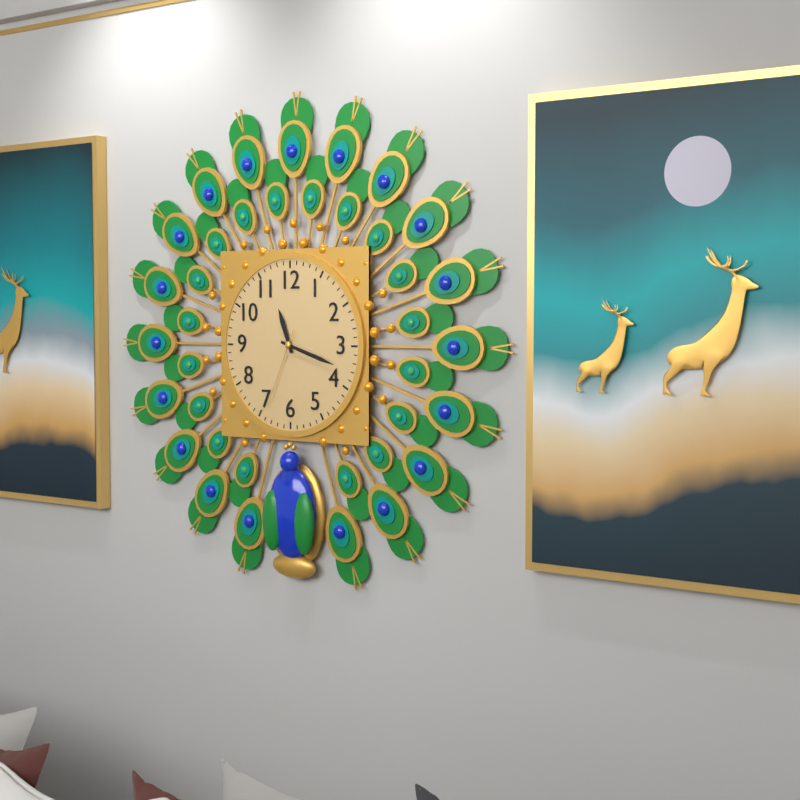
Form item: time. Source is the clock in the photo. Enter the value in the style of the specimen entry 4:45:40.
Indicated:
11:18:34
